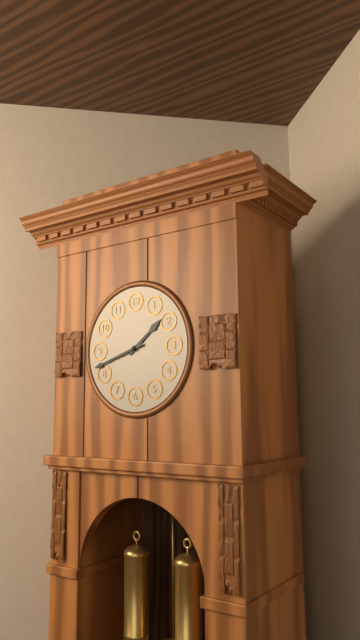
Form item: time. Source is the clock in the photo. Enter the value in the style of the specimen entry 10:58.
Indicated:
1:42
